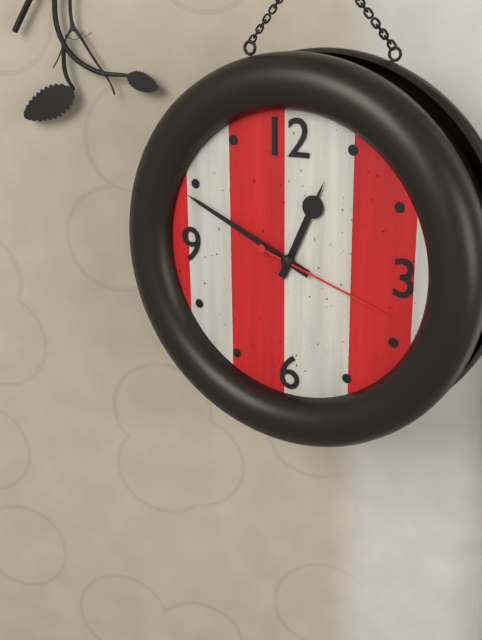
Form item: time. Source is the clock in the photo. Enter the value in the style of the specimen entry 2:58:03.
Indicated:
12:49:18
